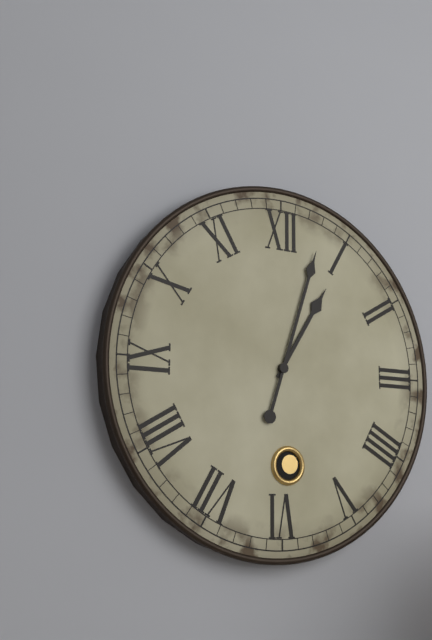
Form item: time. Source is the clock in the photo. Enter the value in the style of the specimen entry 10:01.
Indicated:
1:03
